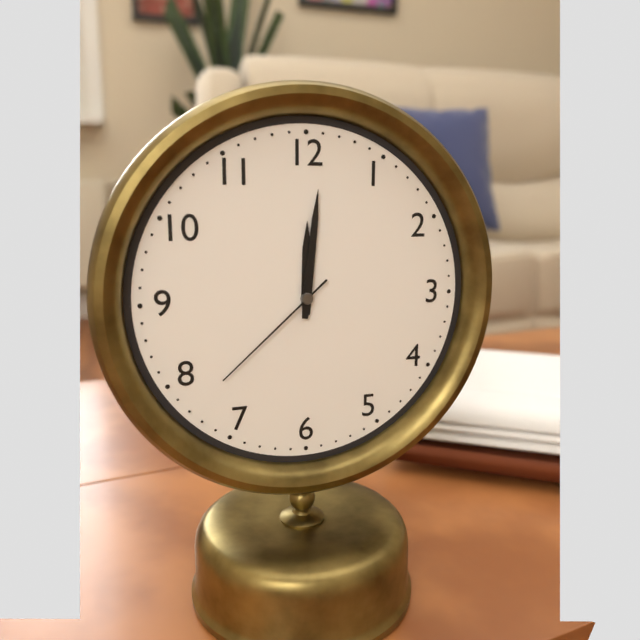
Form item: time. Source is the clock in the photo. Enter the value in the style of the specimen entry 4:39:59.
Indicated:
12:01:38
